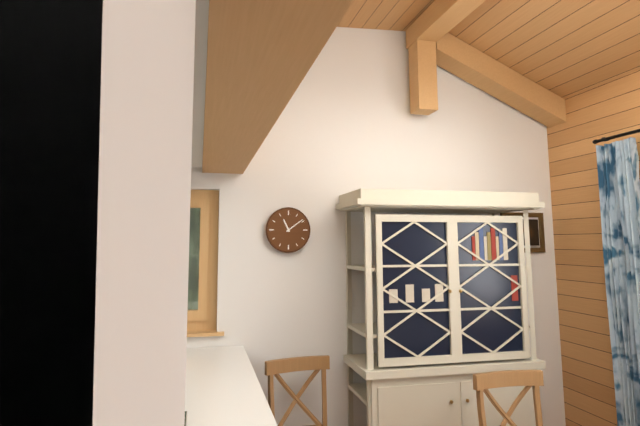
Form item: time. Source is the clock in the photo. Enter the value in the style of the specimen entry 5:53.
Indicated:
11:09
